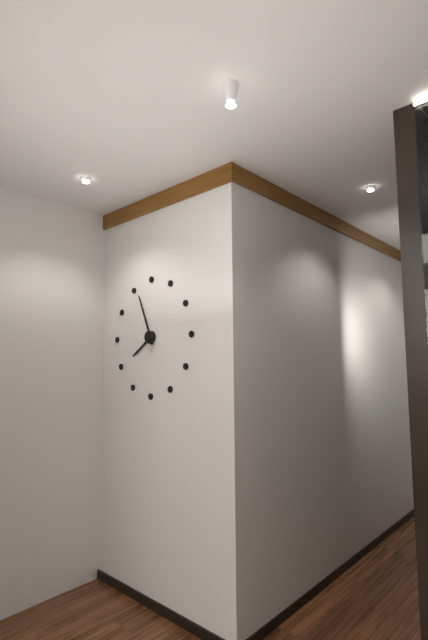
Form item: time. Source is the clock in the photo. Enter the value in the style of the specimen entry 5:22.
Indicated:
7:56
